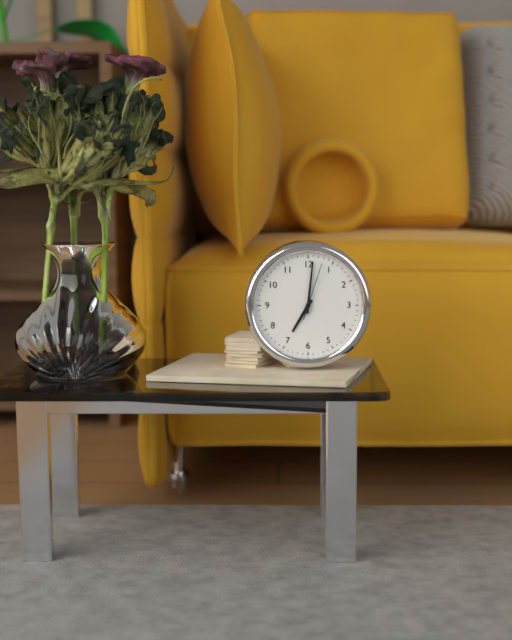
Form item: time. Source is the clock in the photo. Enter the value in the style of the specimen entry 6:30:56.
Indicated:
7:01:03
